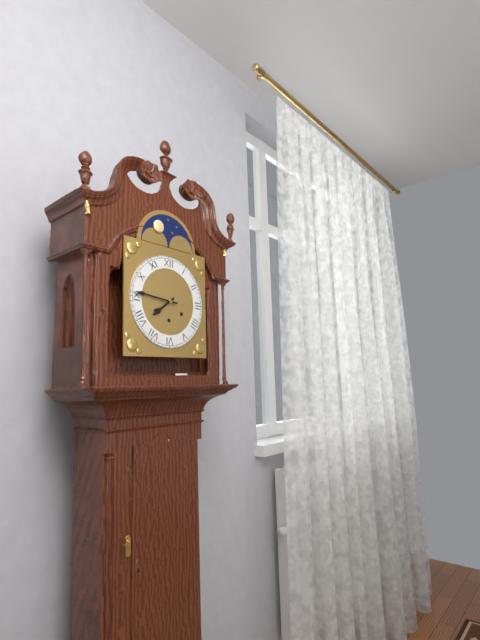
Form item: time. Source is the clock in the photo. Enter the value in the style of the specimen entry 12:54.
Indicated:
7:46
